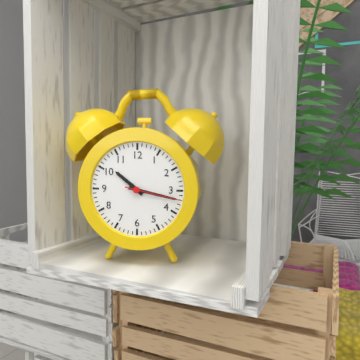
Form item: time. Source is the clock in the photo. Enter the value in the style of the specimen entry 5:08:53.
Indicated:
10:17:17
